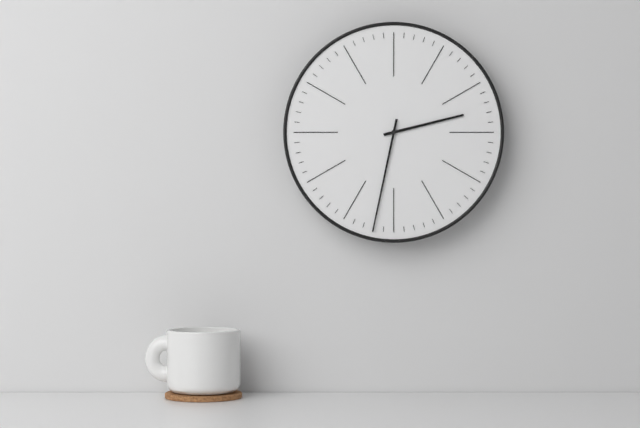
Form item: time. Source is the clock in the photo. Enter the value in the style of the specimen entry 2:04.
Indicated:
2:32
